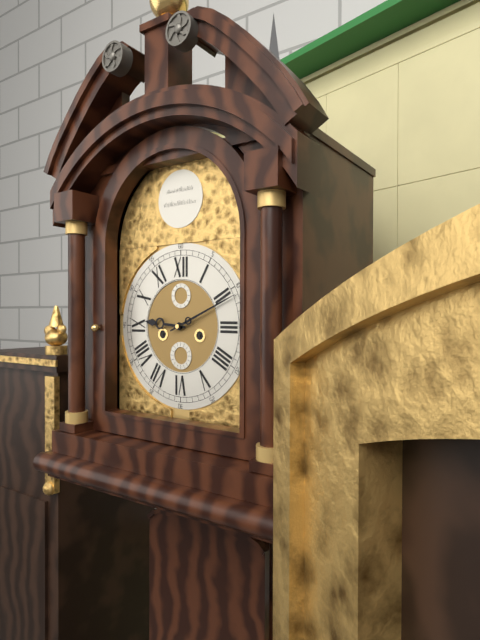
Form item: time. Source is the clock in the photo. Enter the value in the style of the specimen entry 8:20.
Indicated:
9:11
